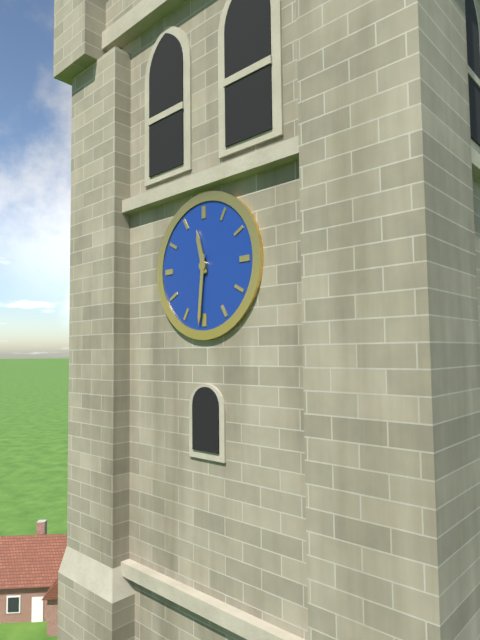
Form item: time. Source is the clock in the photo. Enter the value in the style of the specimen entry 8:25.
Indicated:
11:31
